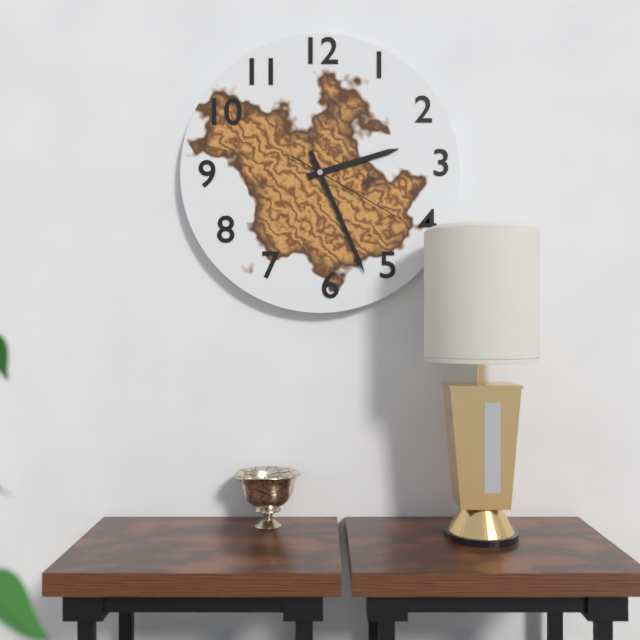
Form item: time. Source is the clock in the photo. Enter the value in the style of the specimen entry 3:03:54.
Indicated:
2:26:20
